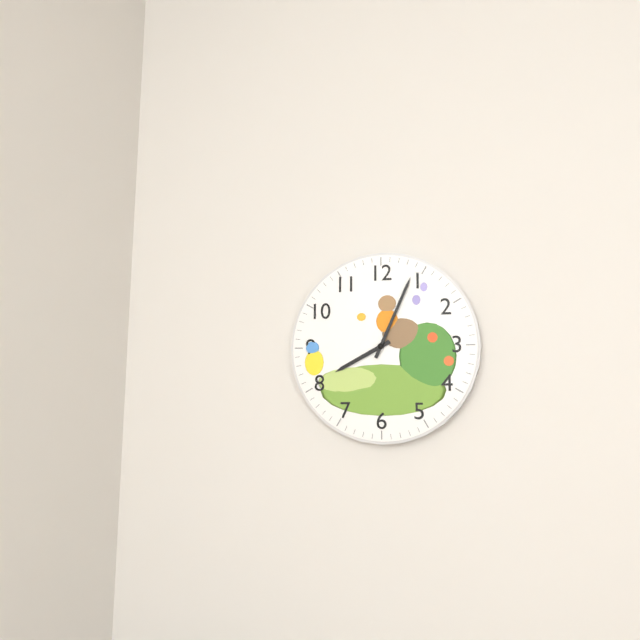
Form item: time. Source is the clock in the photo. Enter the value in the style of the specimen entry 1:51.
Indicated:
8:04
